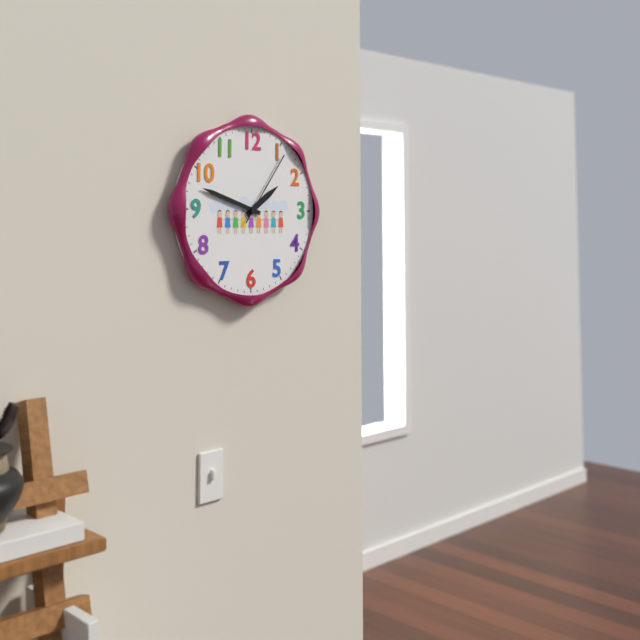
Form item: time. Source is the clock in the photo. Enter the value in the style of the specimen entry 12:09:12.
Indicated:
1:48:06
